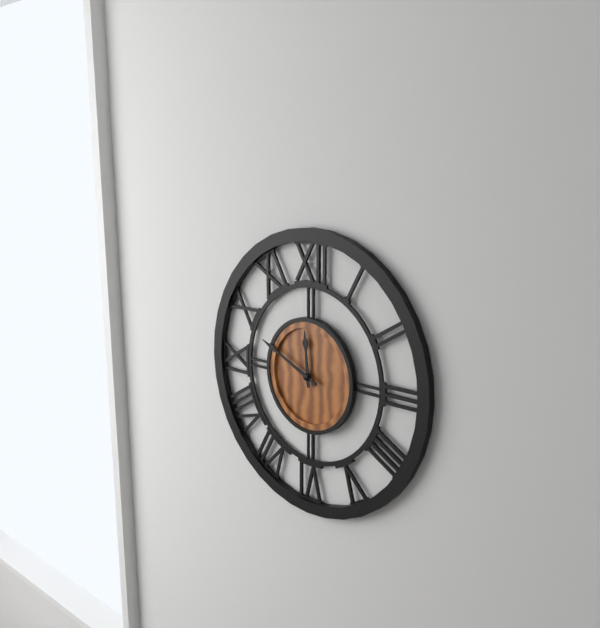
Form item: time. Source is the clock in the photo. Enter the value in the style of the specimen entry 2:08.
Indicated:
11:49
